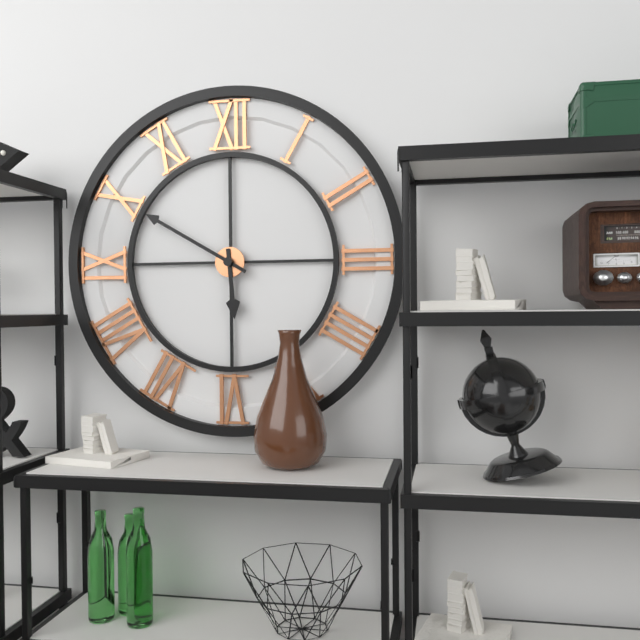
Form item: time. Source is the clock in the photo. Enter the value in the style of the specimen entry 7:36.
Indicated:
5:50
